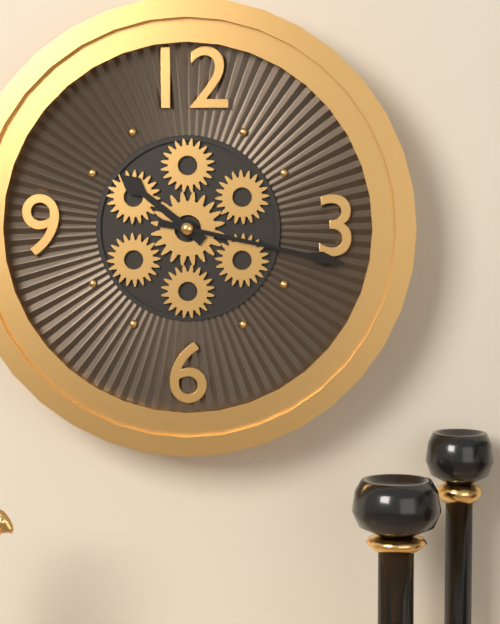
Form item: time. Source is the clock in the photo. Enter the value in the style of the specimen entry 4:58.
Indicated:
10:17
